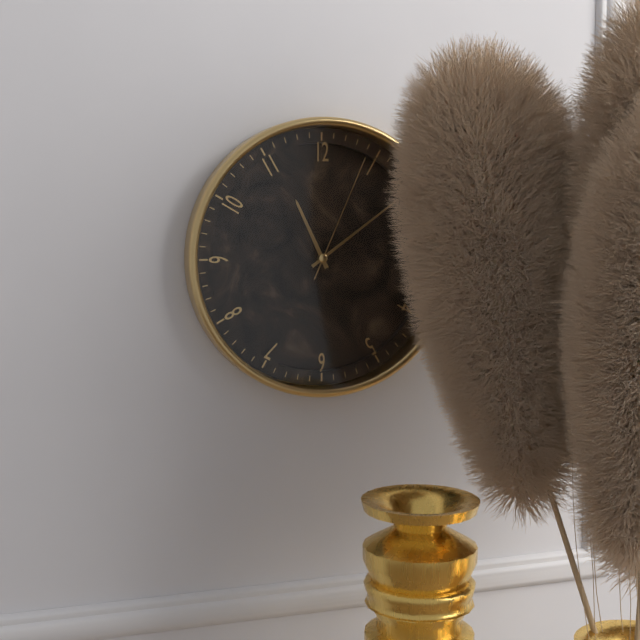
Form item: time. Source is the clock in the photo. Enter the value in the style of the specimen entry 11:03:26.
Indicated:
11:09:04
